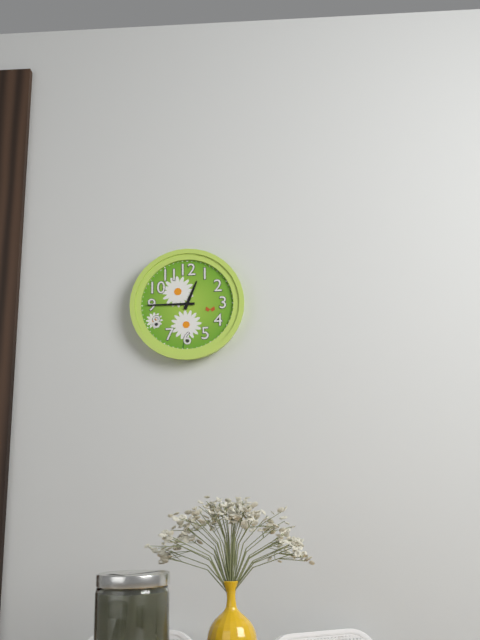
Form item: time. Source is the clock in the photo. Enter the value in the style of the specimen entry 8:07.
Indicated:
12:45
